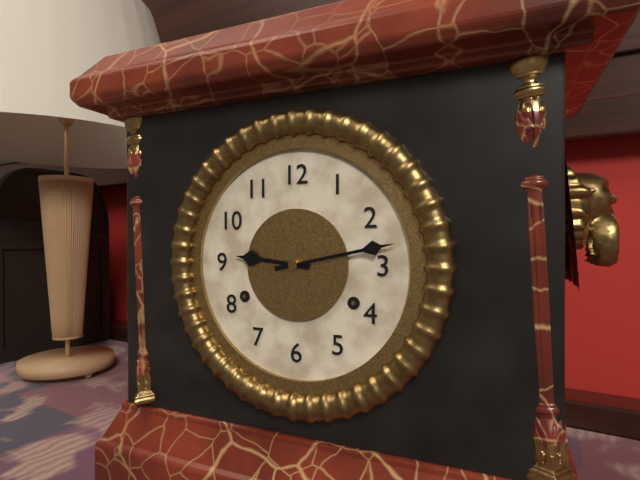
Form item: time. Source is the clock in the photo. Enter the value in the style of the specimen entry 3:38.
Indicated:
9:13
